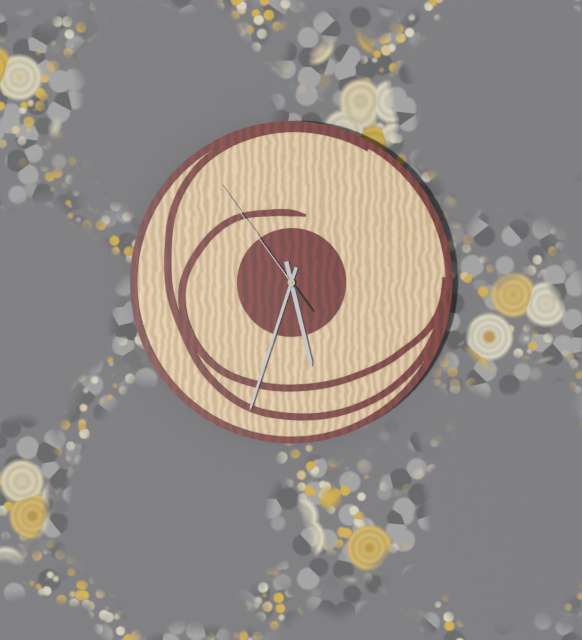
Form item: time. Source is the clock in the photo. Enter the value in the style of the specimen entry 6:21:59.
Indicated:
5:33:54
